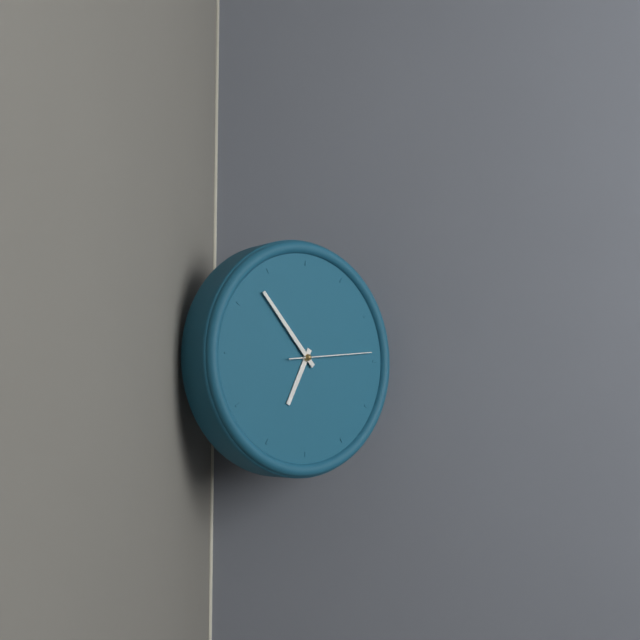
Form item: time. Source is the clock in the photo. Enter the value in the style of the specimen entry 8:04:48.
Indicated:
6:53:14
